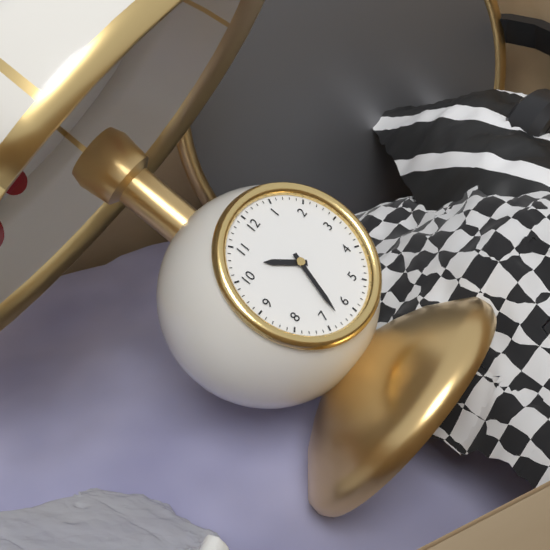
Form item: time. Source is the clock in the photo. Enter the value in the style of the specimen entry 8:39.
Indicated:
10:33
